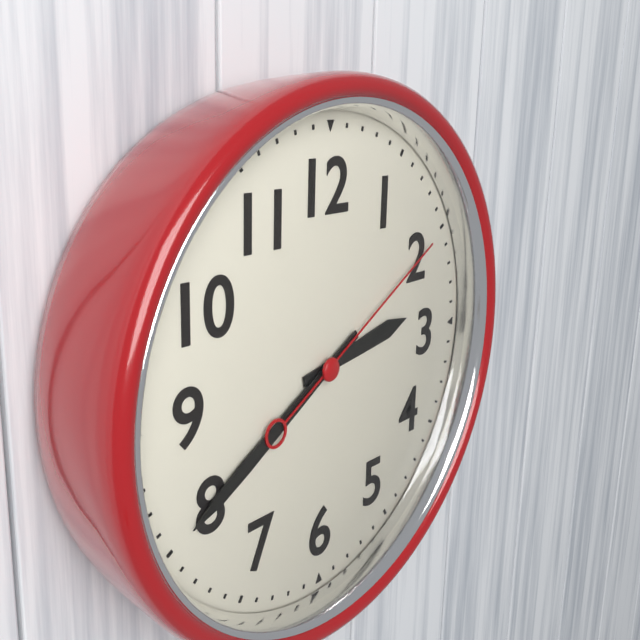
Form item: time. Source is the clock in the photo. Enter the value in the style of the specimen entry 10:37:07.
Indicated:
2:40:10
